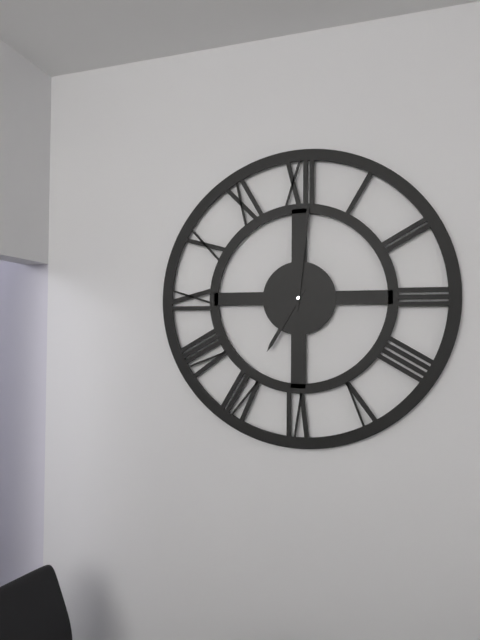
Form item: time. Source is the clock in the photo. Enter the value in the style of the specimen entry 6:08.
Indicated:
7:01
